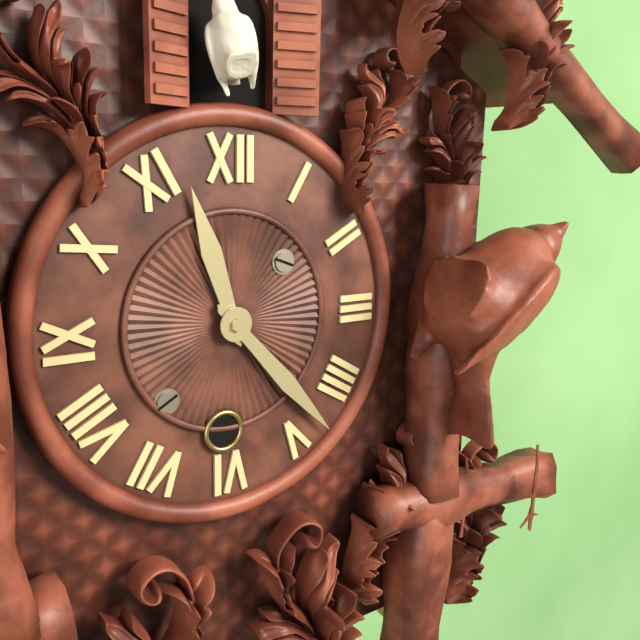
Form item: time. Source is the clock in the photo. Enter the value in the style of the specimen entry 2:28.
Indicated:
11:23
